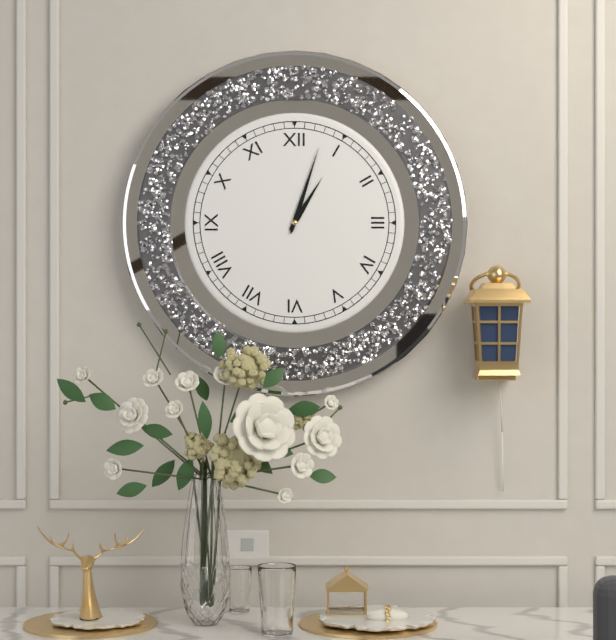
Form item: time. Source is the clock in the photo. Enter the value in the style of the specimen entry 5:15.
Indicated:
1:03
